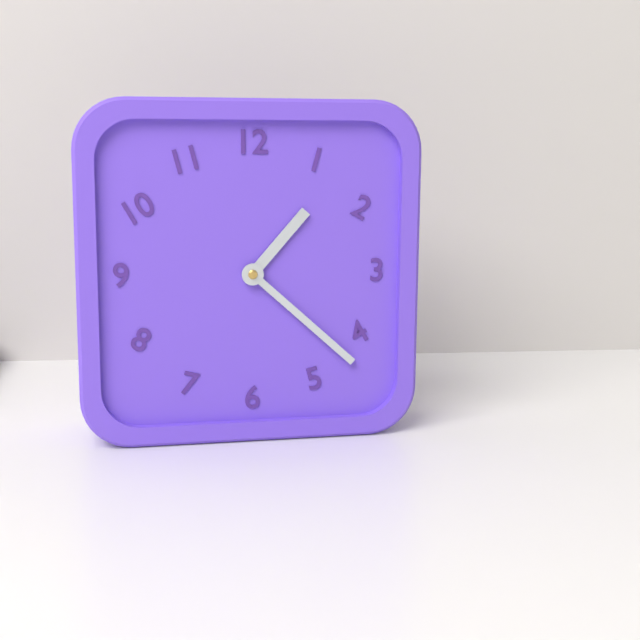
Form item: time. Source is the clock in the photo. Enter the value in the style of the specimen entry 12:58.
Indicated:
1:22
